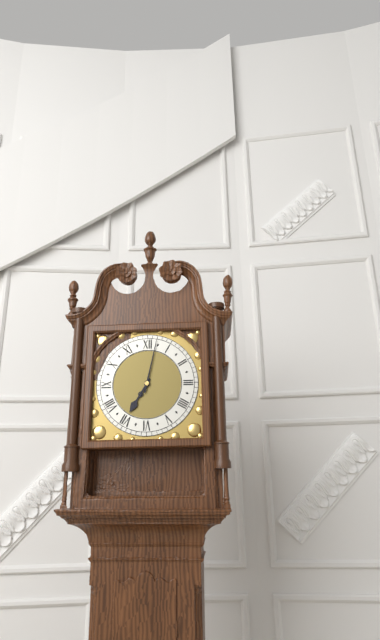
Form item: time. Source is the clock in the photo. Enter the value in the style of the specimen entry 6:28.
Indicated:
7:02
